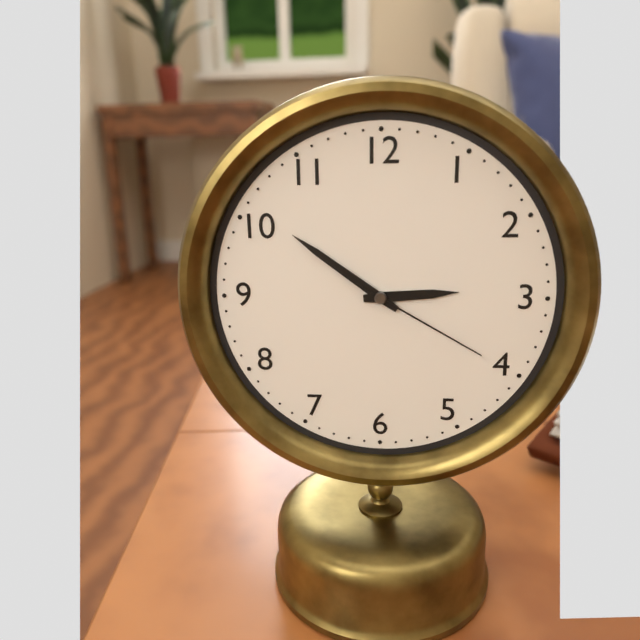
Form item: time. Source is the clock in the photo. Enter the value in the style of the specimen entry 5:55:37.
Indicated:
2:51:20
